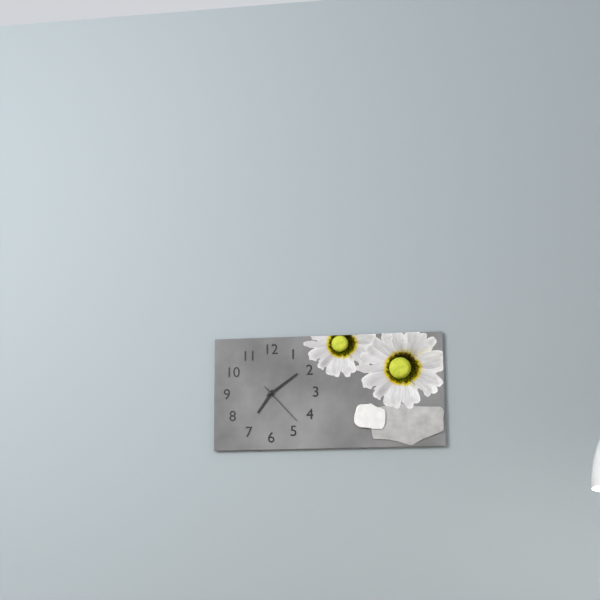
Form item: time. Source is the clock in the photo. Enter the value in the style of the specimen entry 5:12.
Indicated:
7:09
